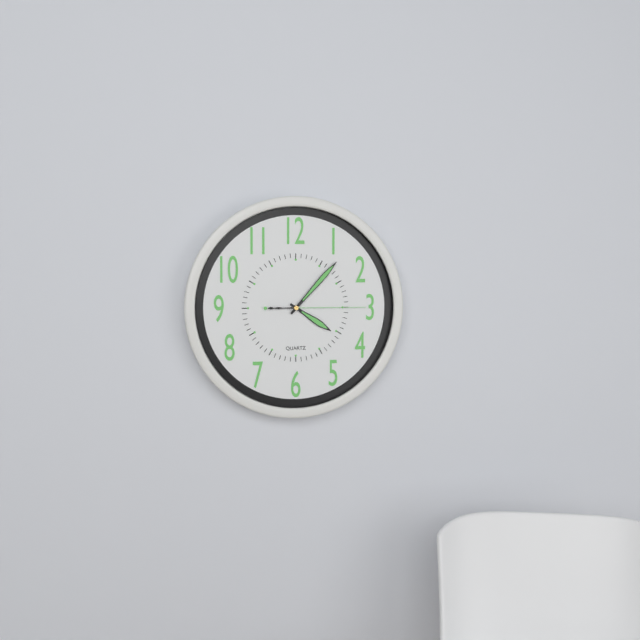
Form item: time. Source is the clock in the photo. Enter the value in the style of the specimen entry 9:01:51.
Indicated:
4:07:15
